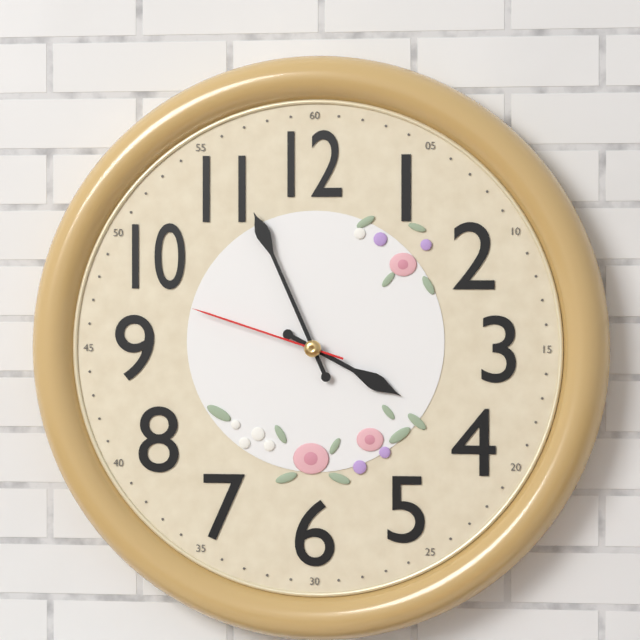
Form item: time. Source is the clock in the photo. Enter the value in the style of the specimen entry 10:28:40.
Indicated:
3:56:48
